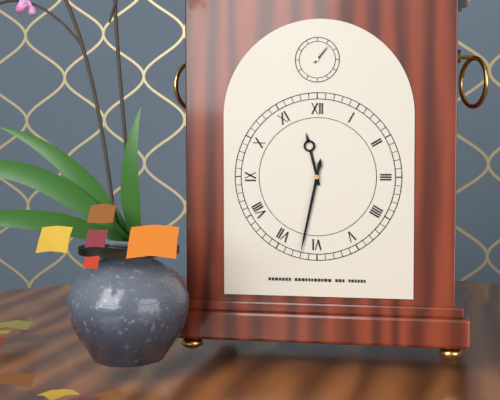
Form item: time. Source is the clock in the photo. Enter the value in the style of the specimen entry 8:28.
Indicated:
11:32
